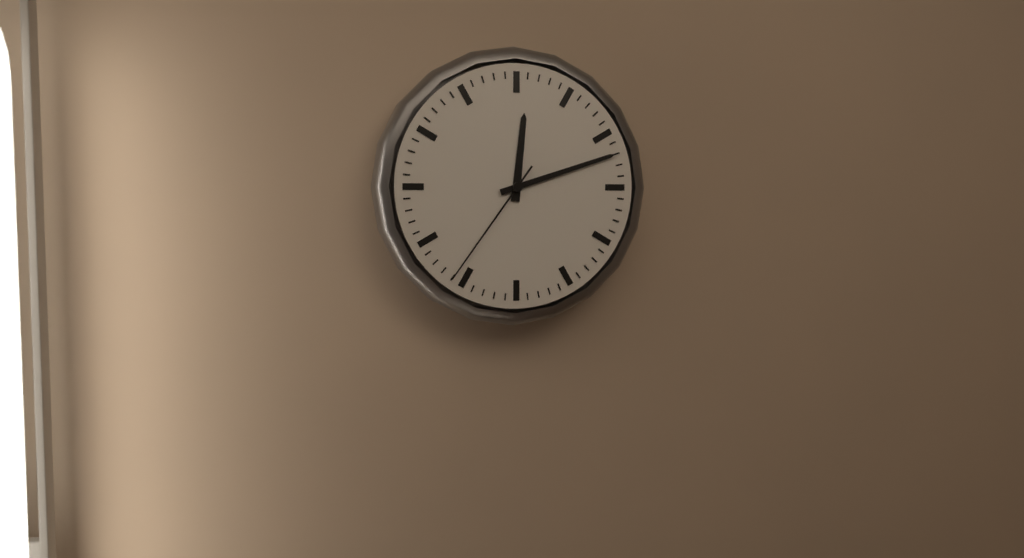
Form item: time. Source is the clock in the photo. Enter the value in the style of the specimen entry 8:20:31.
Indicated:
12:12:36
